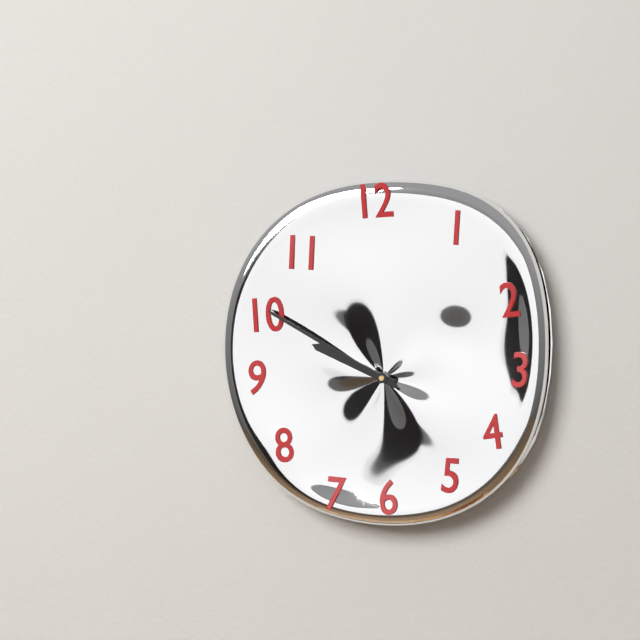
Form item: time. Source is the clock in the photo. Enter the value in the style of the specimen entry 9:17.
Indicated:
9:50
